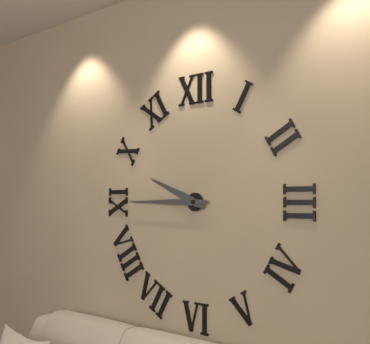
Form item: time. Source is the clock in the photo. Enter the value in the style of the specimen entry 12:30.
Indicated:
9:45
